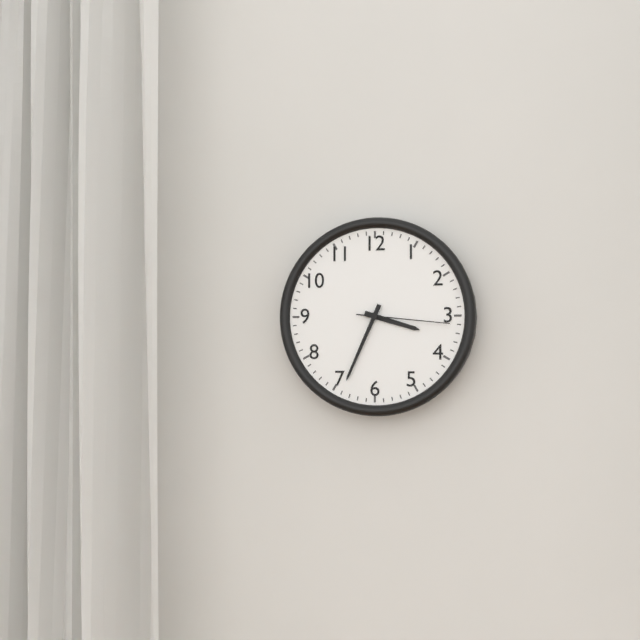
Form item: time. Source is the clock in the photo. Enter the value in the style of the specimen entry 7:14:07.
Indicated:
3:34:16
